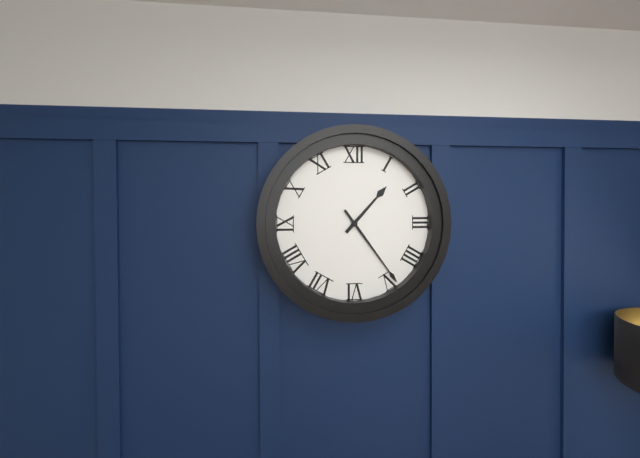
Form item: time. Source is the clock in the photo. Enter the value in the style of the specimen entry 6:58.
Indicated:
1:24
